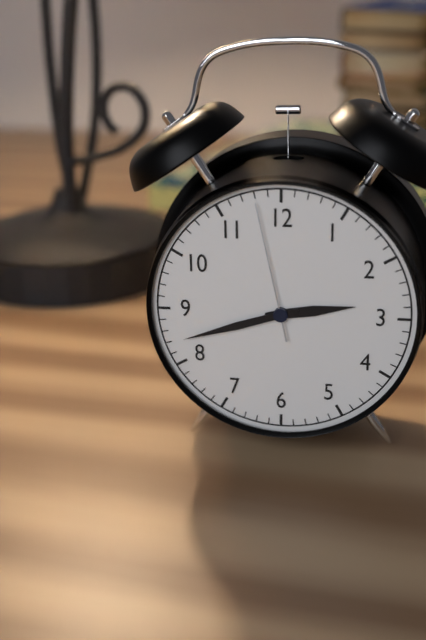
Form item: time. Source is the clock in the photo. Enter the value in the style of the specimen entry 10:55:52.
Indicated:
2:42:58
